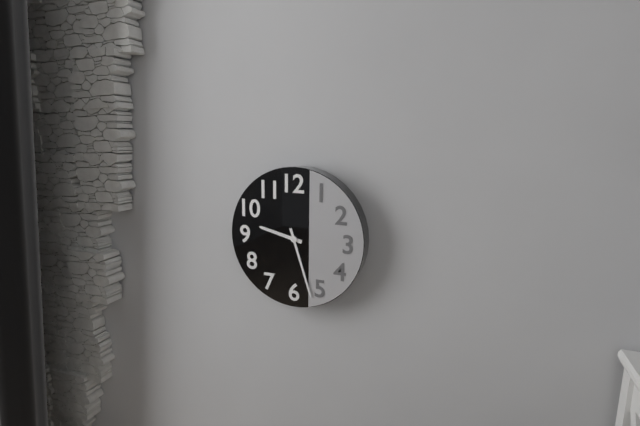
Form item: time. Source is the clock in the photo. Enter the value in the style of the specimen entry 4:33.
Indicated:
9:27
